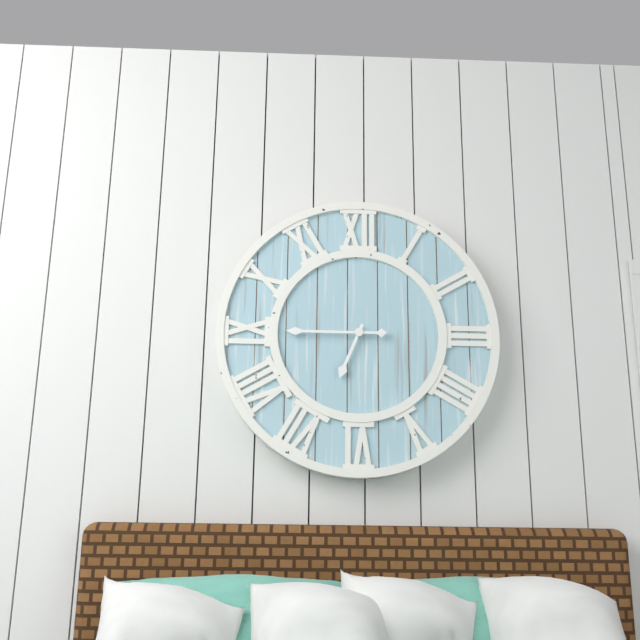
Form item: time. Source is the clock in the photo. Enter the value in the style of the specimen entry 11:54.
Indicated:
6:45
